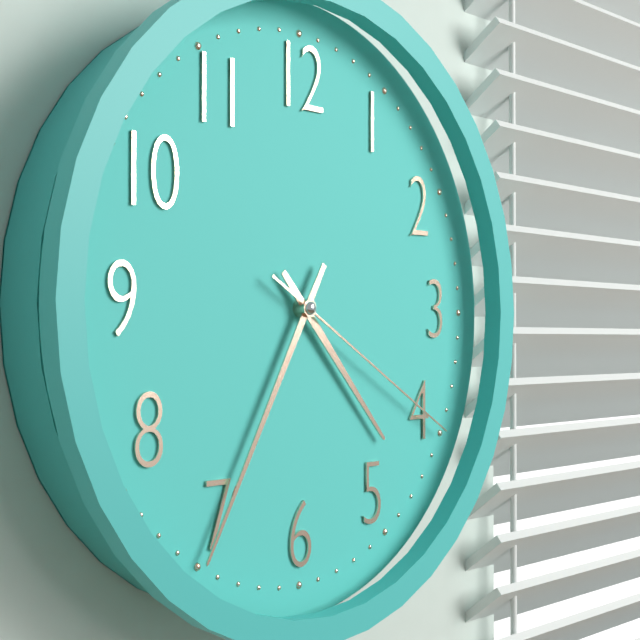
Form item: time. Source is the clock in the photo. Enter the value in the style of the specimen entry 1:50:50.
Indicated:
4:35:20
